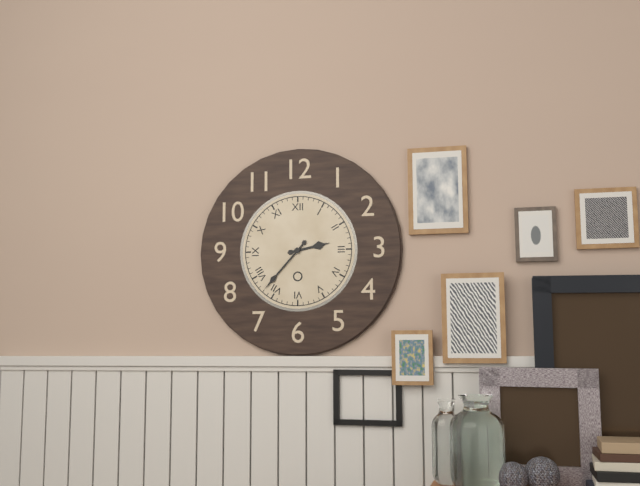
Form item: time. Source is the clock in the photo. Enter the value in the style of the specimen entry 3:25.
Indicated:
2:37
